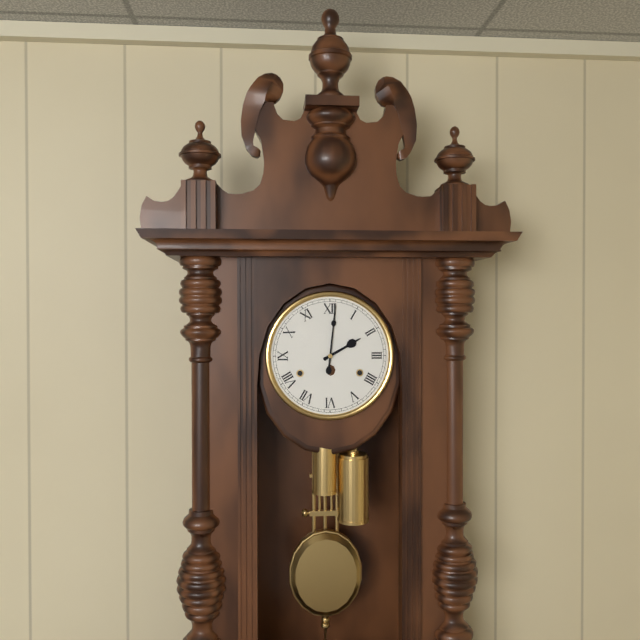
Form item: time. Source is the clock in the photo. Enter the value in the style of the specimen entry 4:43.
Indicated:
2:01
